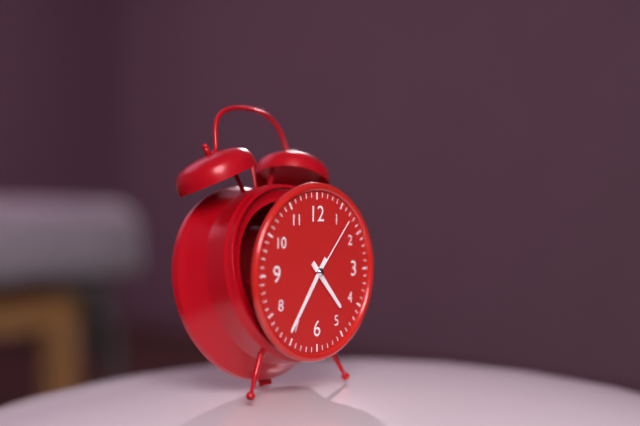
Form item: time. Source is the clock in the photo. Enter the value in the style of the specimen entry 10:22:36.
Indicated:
4:36:07
